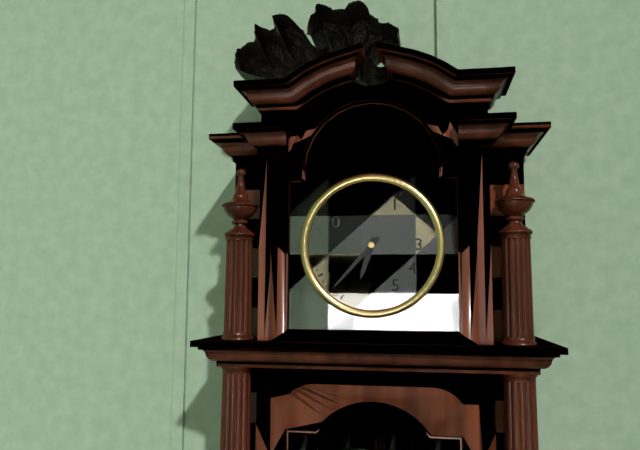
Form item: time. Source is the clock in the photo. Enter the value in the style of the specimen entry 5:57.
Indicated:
6:37
